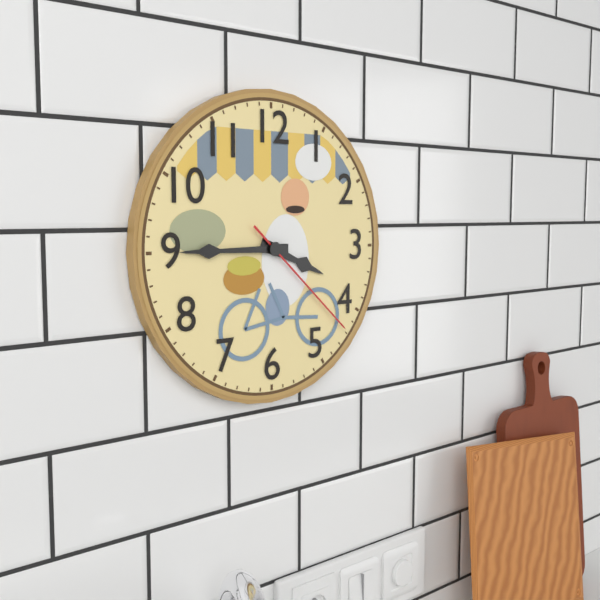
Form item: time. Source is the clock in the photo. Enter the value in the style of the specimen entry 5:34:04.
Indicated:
3:45:22
